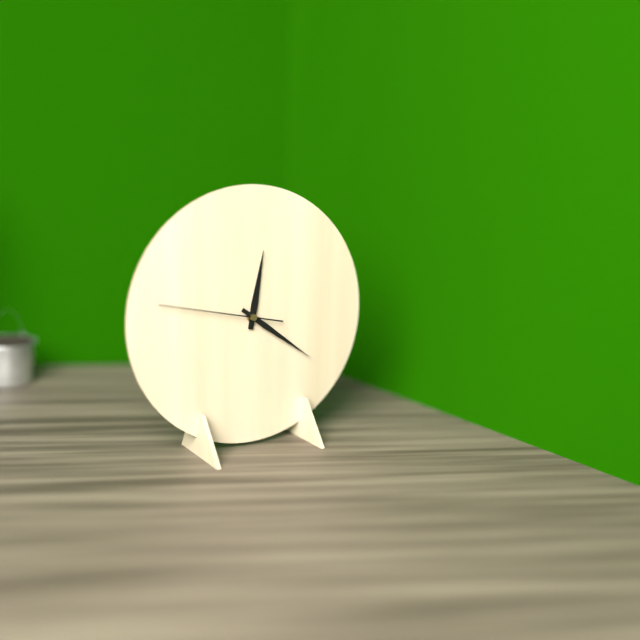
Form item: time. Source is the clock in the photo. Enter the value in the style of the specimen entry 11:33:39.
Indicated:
12:21:47
